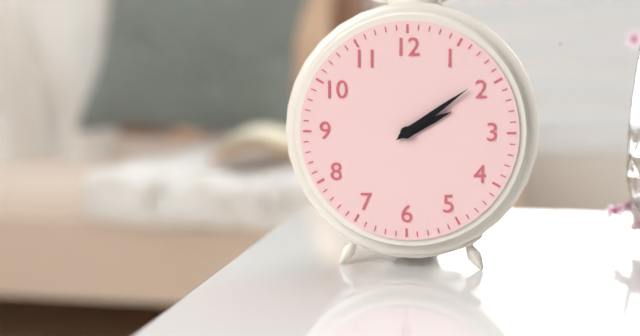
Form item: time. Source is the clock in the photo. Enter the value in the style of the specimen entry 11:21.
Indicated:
2:09
